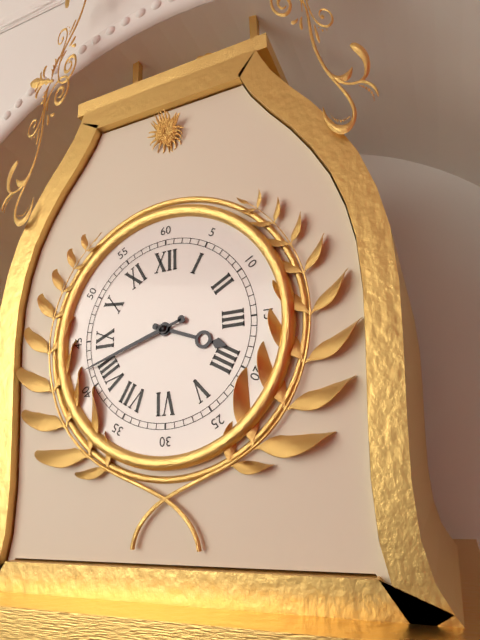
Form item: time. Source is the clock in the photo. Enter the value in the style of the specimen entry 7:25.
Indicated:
3:42
